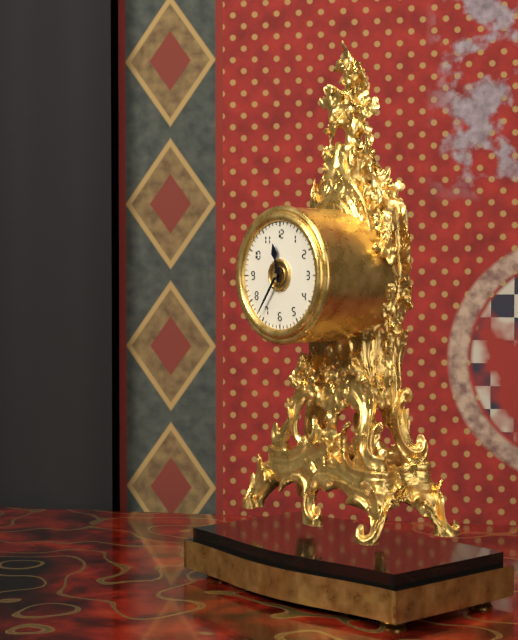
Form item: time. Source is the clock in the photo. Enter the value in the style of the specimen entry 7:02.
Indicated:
11:36
